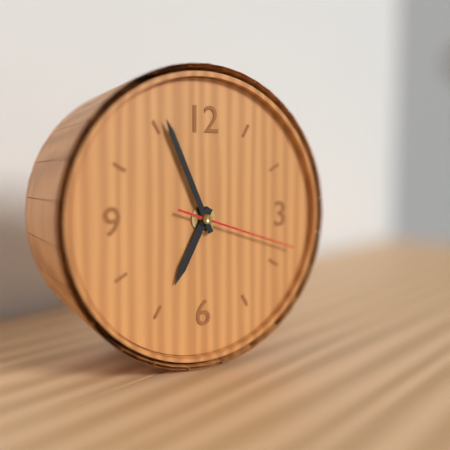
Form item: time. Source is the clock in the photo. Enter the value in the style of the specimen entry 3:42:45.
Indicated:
6:56:18
